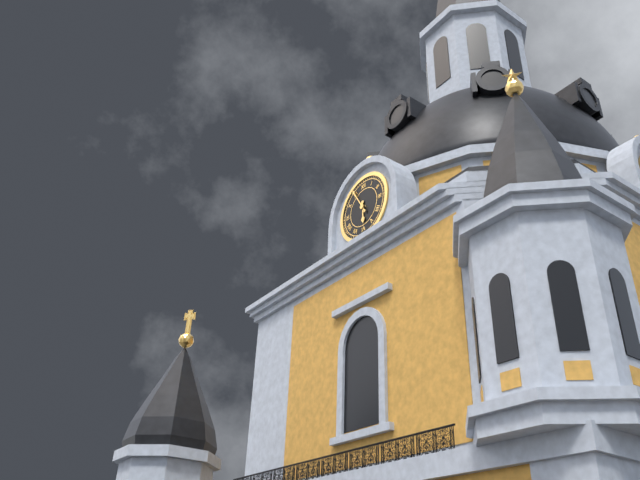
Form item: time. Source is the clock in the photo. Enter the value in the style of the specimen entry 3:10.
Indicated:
5:55
